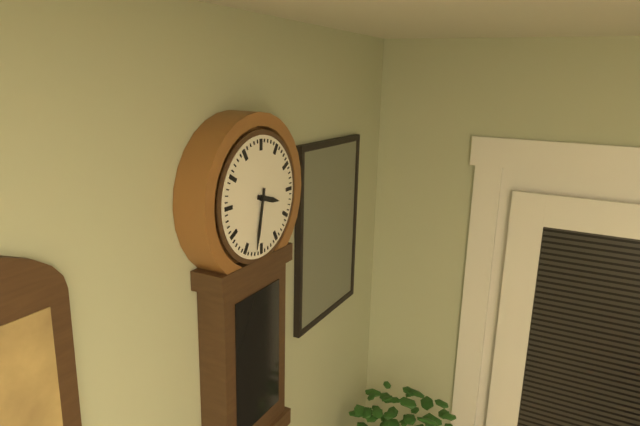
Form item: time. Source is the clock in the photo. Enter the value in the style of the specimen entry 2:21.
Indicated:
3:32
